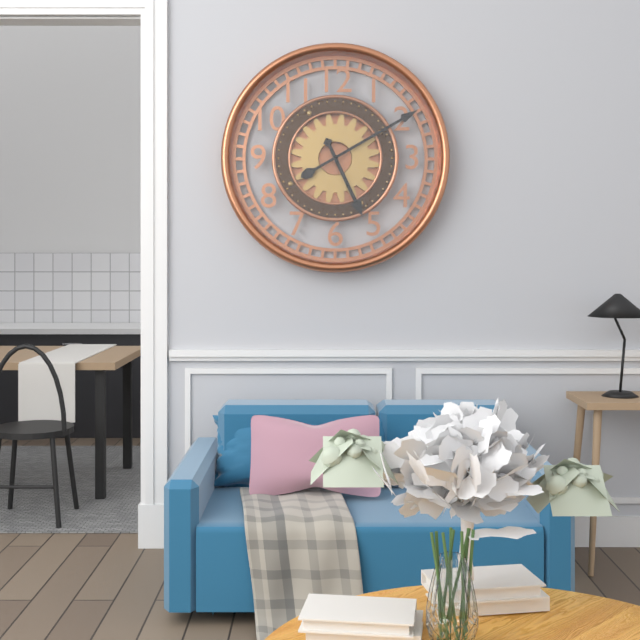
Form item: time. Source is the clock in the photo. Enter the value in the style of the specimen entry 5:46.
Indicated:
5:10
